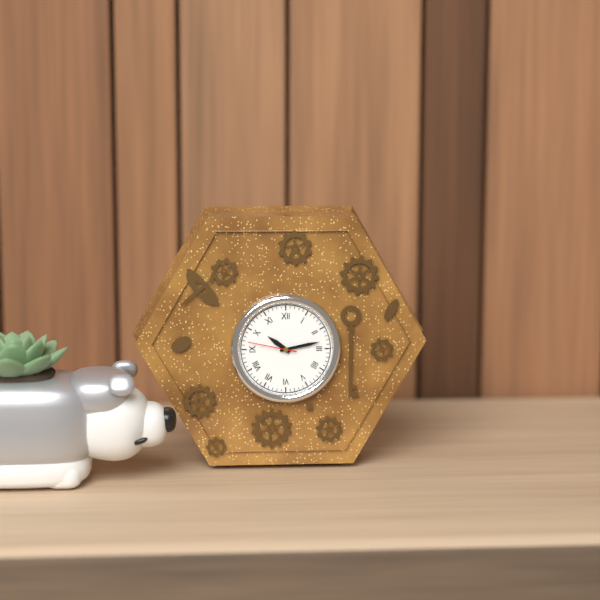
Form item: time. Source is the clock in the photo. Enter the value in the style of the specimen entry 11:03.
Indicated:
10:13
